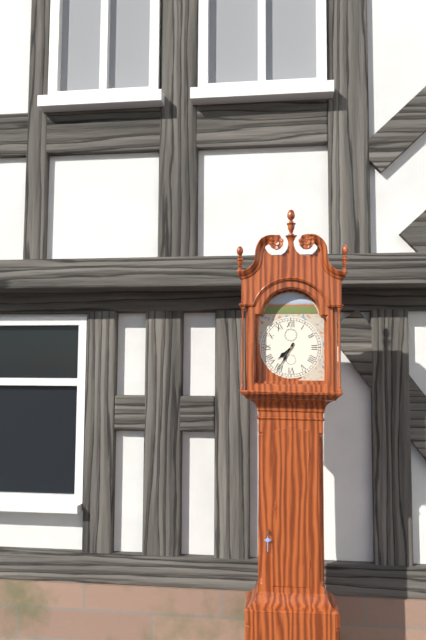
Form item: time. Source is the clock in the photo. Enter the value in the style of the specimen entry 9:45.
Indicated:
7:35
